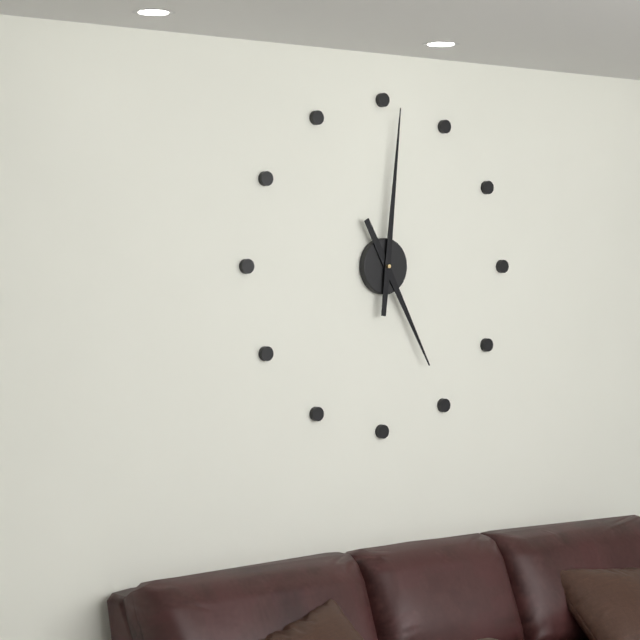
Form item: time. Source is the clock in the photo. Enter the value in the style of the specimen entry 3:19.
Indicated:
5:01
